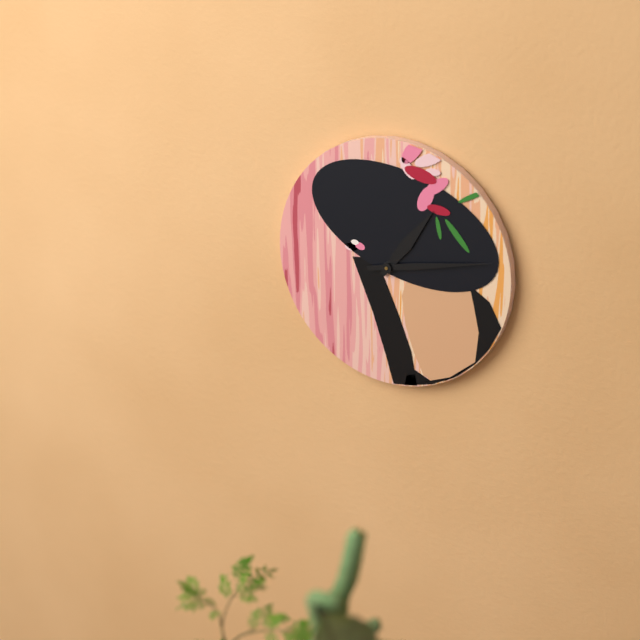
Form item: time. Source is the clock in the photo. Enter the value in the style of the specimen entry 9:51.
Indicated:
1:13
